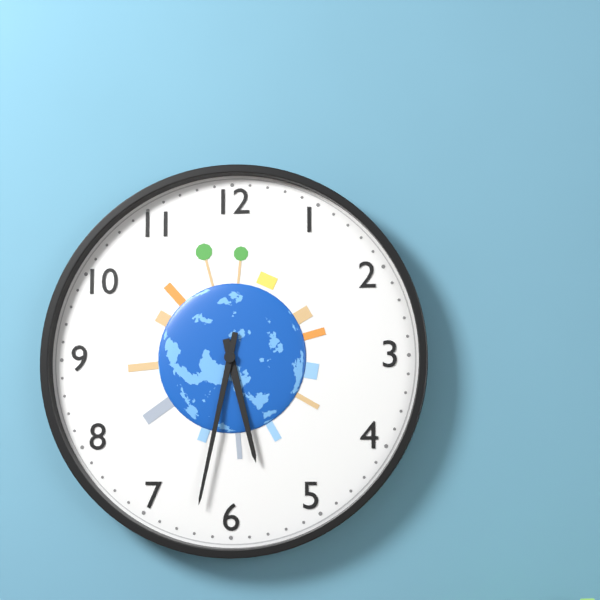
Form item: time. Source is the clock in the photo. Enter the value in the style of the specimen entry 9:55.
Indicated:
5:32
